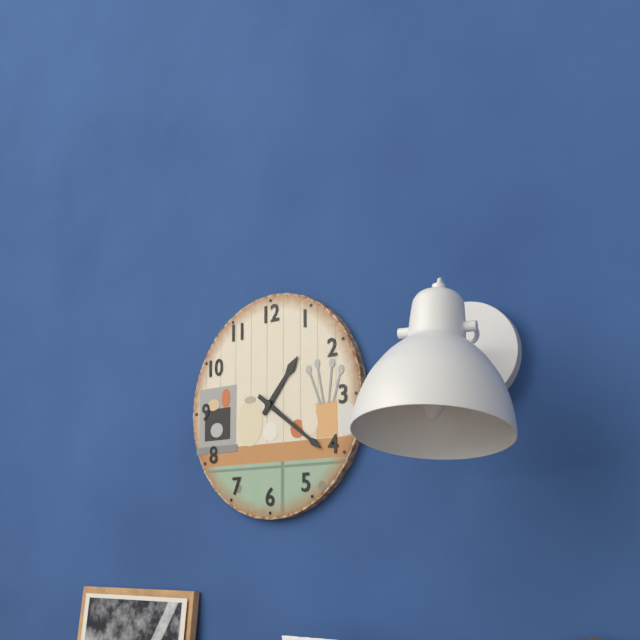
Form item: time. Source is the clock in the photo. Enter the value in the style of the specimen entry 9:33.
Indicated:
1:21
